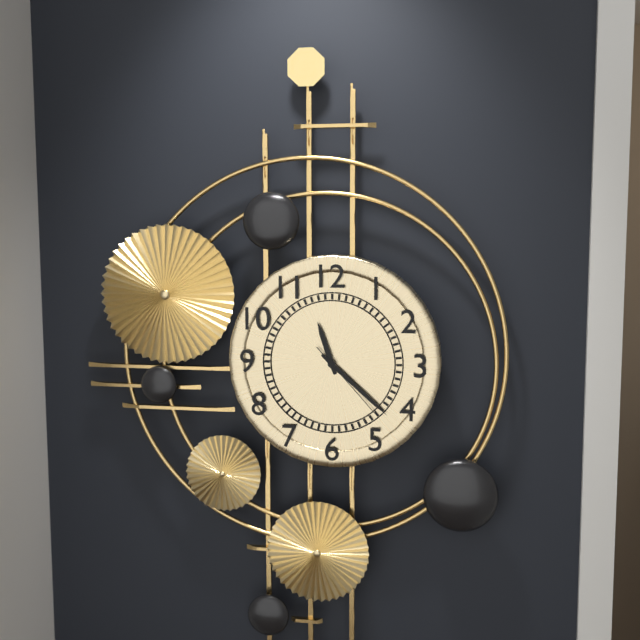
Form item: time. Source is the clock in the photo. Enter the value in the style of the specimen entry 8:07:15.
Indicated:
11:22:23
